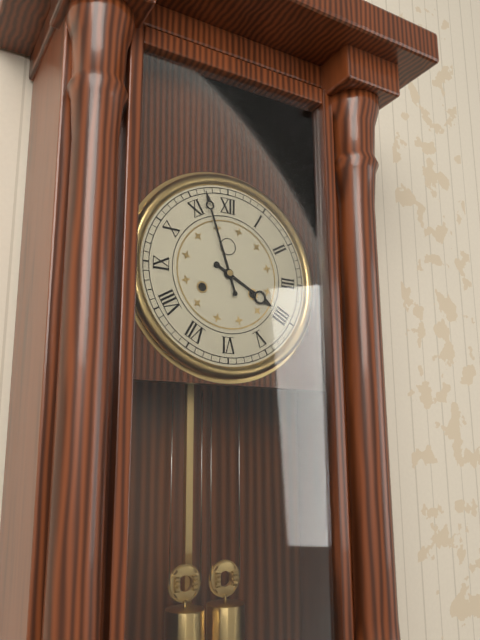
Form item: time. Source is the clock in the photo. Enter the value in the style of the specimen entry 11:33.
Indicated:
3:57
